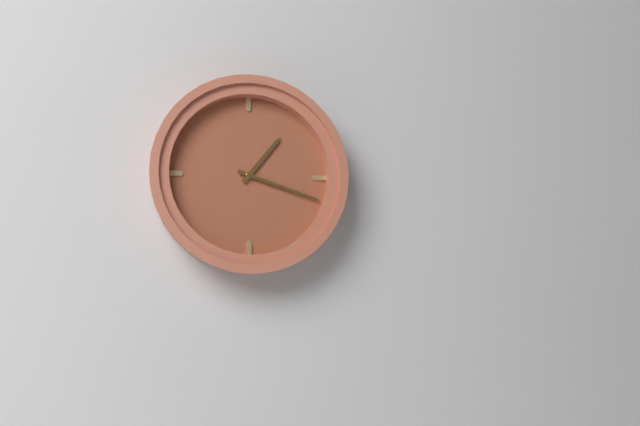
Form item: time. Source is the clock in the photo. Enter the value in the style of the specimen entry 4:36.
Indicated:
1:18
